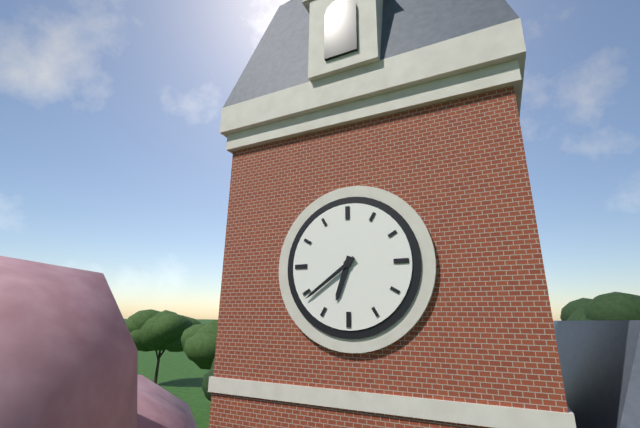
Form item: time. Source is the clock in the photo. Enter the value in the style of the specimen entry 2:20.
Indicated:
6:39
